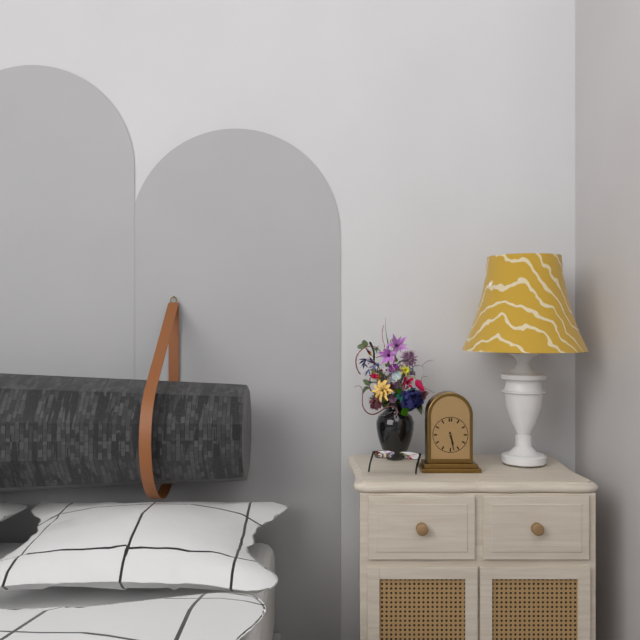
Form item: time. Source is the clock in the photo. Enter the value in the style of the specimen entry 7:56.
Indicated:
5:28
